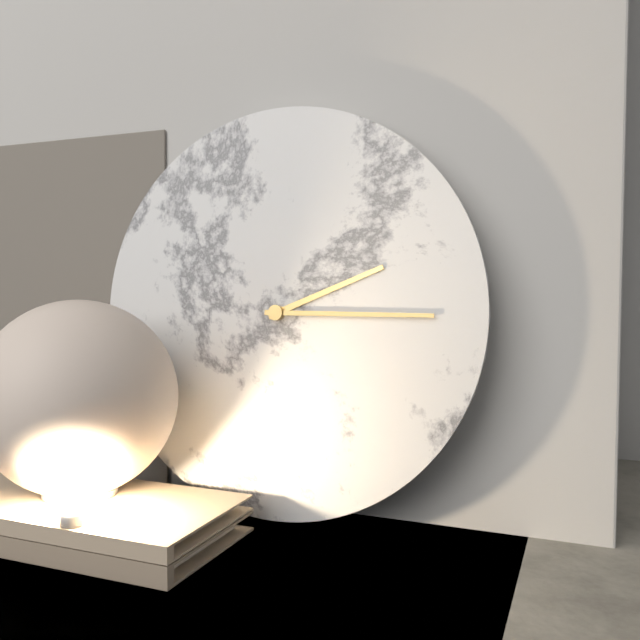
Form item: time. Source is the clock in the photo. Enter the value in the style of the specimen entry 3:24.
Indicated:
2:15
